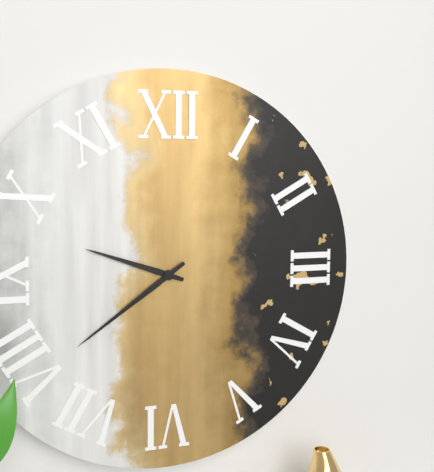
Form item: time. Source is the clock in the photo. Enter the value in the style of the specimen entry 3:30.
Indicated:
9:39
